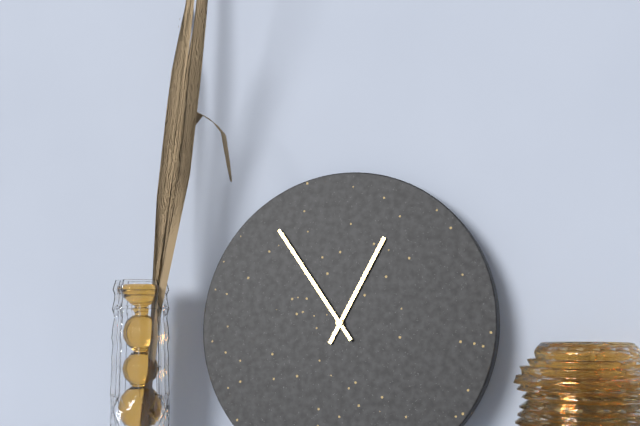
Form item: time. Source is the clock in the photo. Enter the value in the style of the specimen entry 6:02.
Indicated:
12:54
